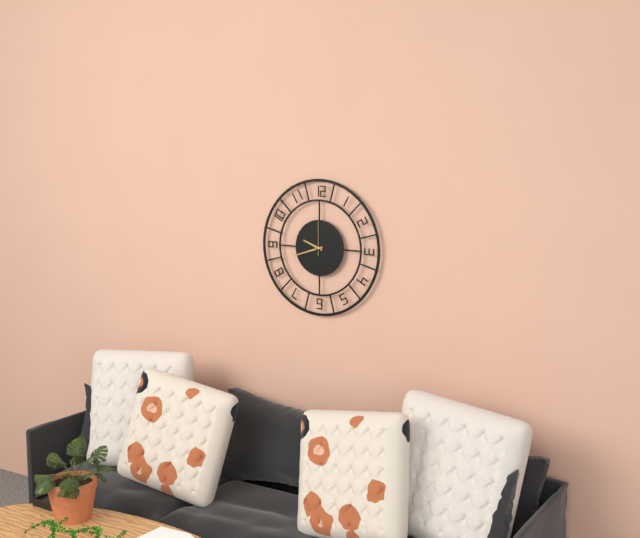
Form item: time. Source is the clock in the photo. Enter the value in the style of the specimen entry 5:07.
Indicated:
9:42
